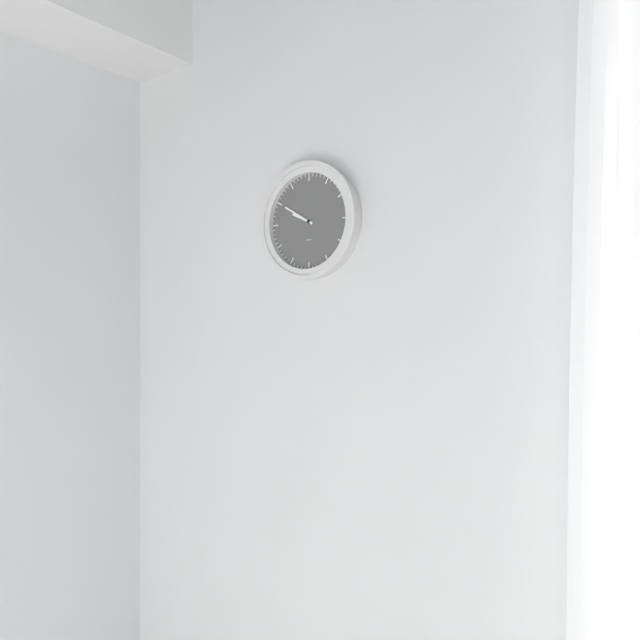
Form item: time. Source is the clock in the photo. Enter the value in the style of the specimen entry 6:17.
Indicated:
9:50
